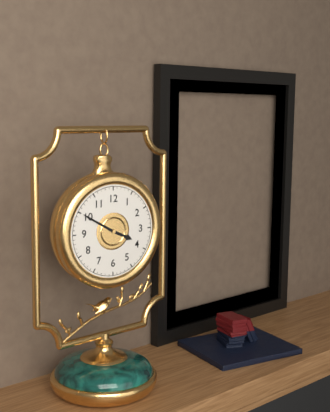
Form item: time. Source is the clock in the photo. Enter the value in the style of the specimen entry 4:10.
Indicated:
3:50
